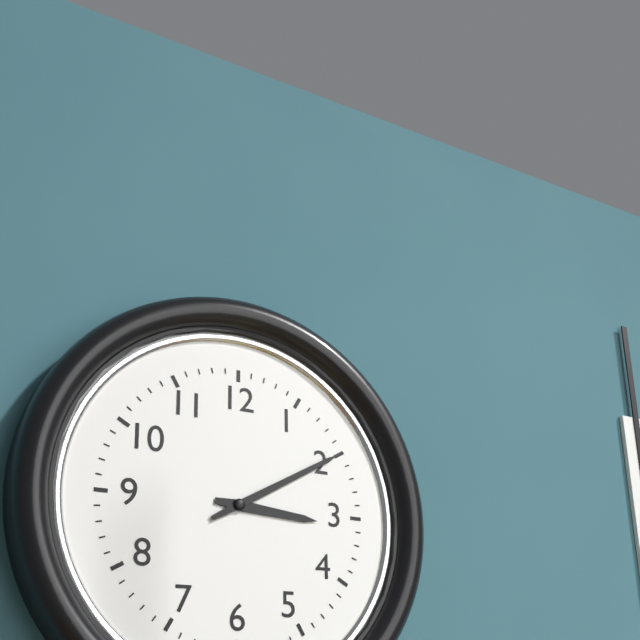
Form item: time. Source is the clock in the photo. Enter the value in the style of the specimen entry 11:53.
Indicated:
3:10
